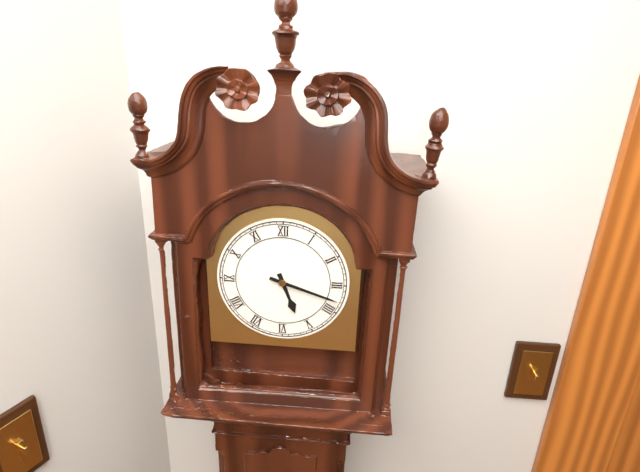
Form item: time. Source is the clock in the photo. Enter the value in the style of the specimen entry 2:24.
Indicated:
5:18
